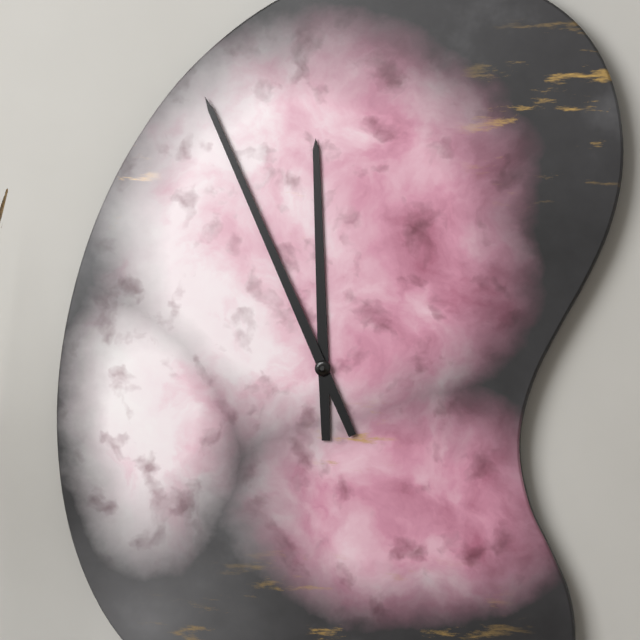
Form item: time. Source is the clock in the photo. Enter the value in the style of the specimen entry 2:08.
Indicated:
11:56
